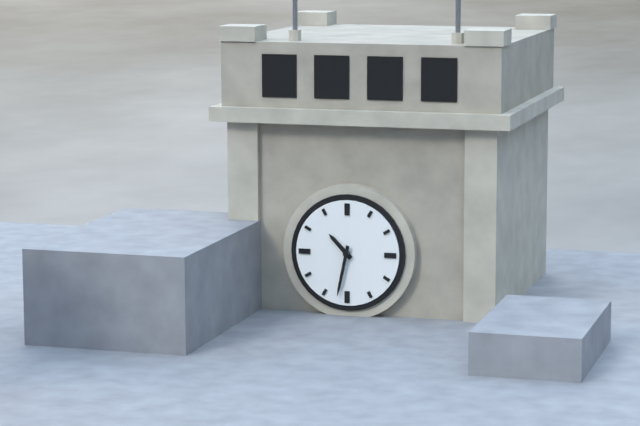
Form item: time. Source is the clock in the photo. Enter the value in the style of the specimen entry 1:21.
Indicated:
10:32
